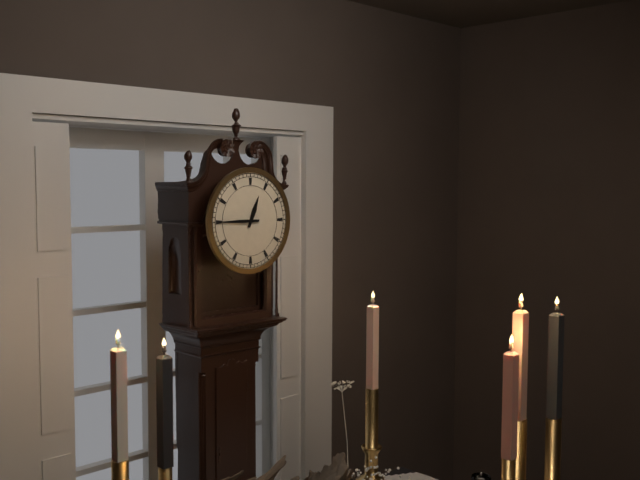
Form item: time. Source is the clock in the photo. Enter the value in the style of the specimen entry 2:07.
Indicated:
12:45
